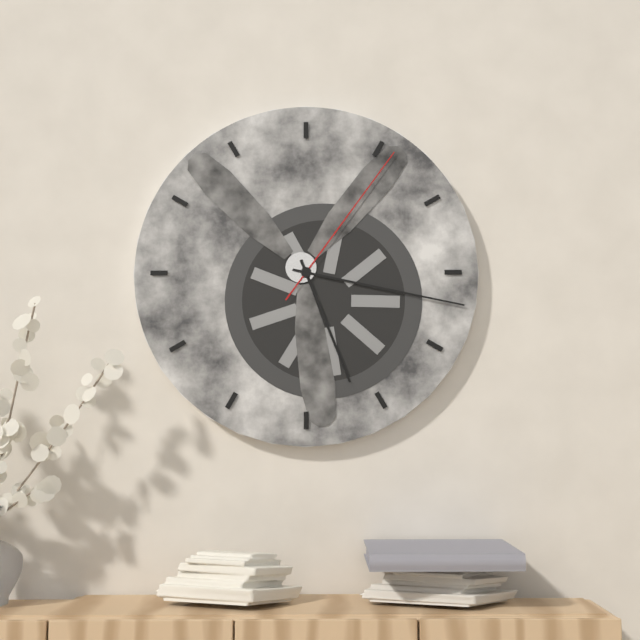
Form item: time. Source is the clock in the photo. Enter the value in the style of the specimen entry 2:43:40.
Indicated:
5:17:06
